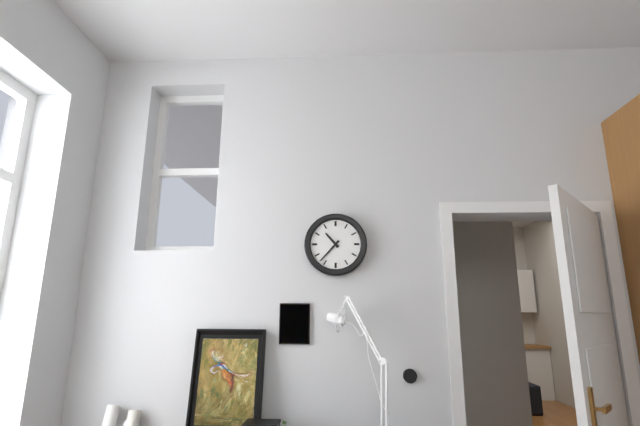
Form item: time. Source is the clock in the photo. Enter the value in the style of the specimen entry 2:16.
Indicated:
10:37
